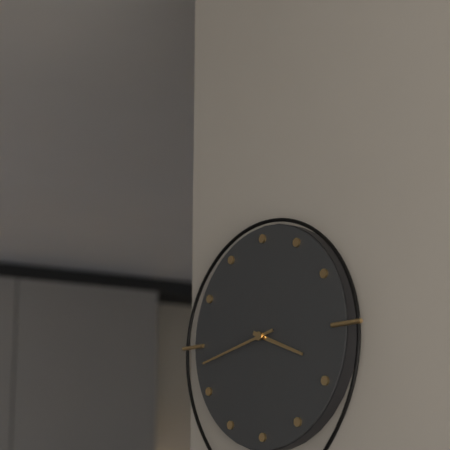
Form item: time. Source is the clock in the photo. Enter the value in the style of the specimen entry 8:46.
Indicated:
3:43
